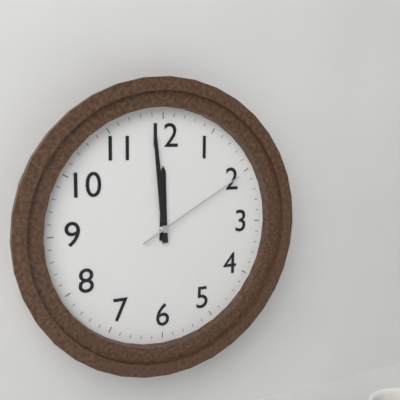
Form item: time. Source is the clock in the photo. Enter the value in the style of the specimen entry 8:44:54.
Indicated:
11:59:10
